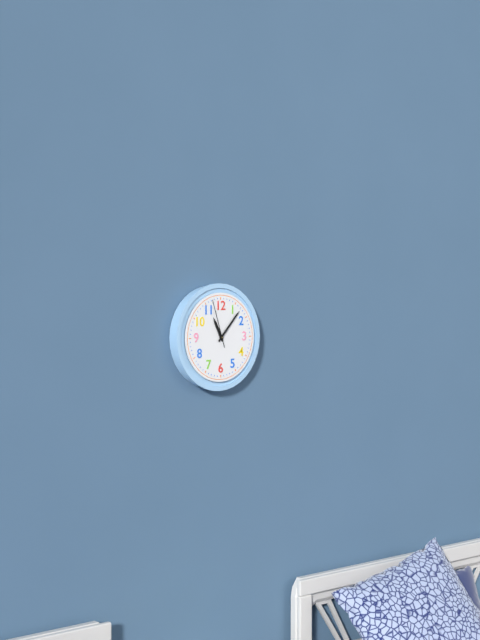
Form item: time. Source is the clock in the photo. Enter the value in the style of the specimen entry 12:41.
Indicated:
11:07
